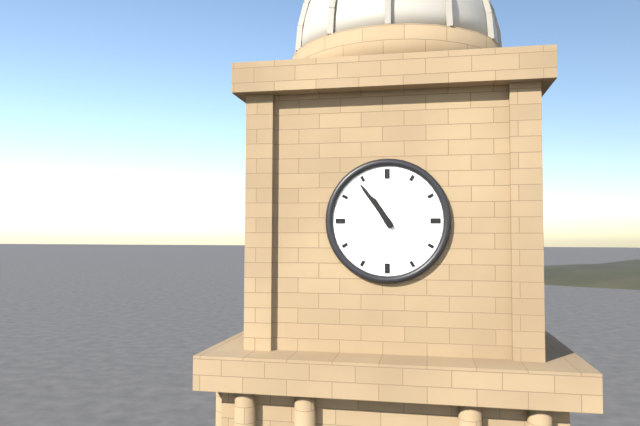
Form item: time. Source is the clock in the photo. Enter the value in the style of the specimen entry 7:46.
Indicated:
10:54
